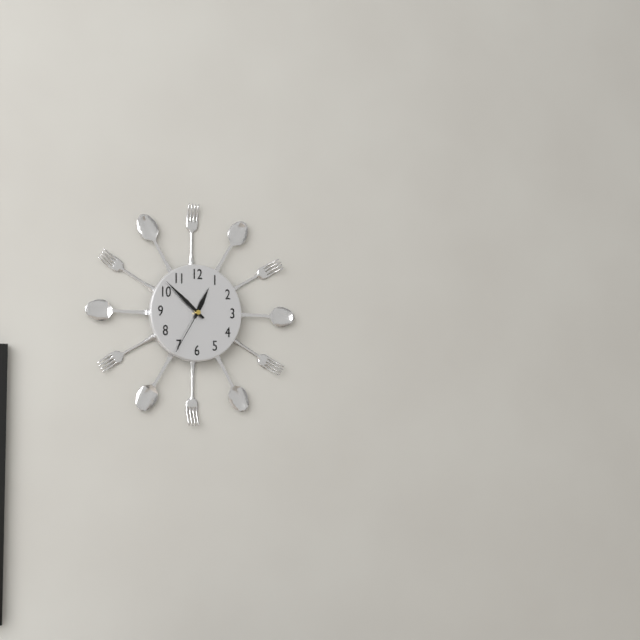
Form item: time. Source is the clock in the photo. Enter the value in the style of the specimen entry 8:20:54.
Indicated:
12:52:35
